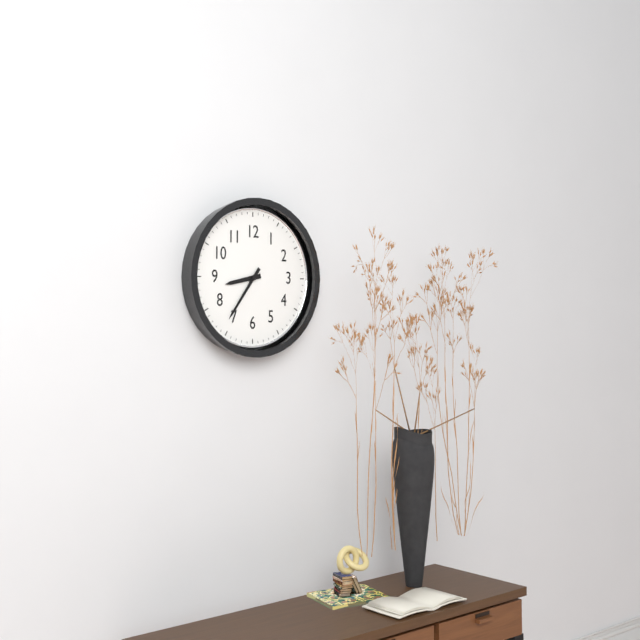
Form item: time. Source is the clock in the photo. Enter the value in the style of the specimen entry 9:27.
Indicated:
8:36
